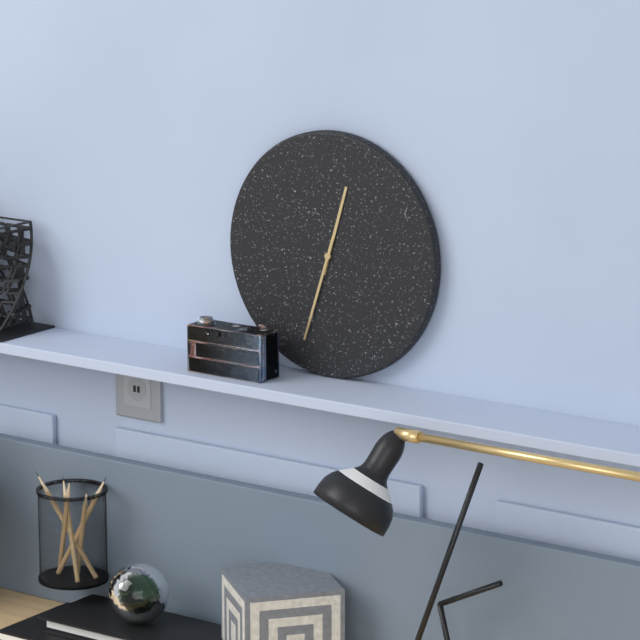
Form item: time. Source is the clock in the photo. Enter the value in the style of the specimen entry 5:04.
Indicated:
12:33
